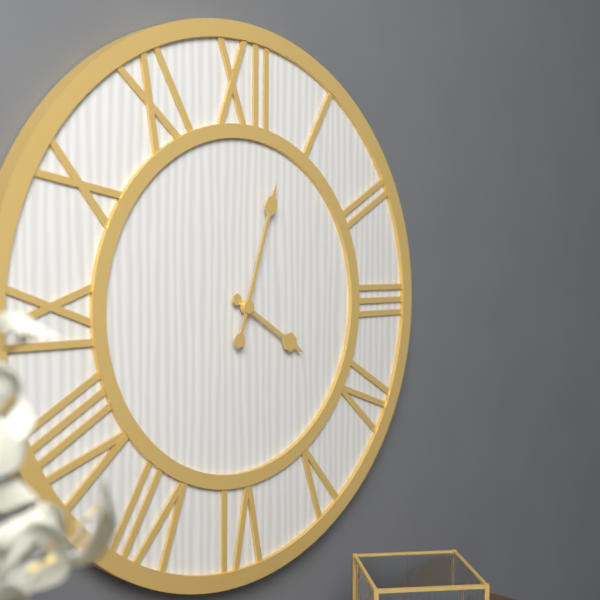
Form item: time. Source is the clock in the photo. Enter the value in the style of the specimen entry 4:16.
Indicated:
4:03
